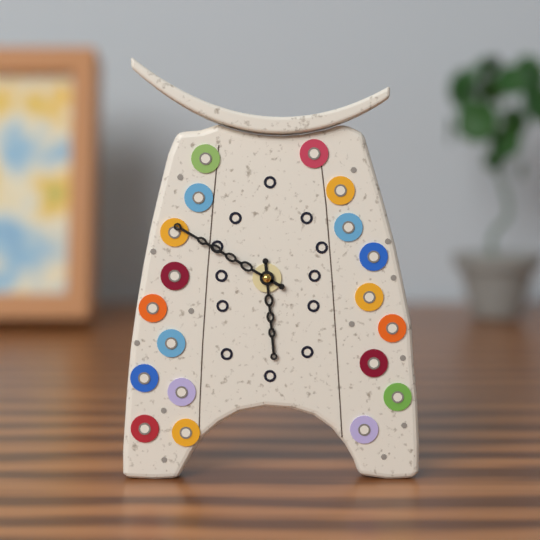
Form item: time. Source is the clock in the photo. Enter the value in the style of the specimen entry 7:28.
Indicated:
5:50
